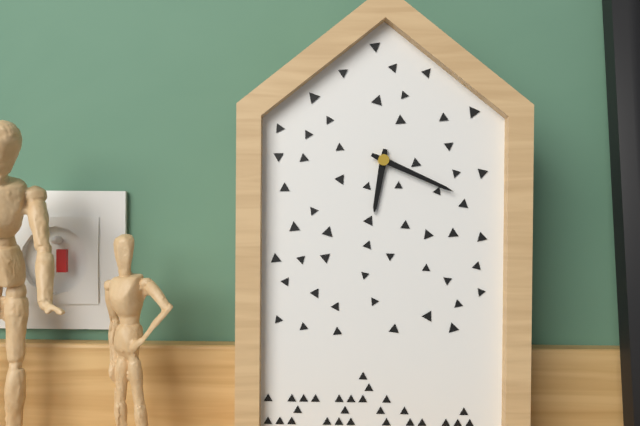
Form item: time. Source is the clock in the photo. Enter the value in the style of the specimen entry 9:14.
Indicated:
6:19
